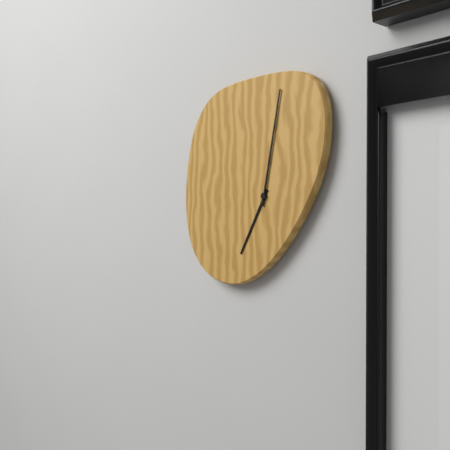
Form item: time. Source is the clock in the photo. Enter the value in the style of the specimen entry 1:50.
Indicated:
7:02
